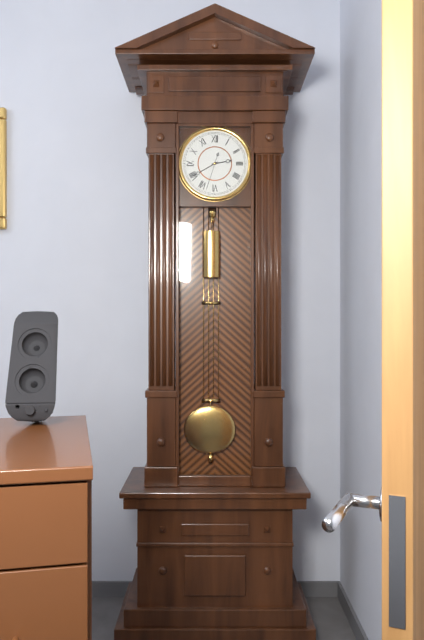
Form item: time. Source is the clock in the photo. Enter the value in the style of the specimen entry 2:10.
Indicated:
2:40
